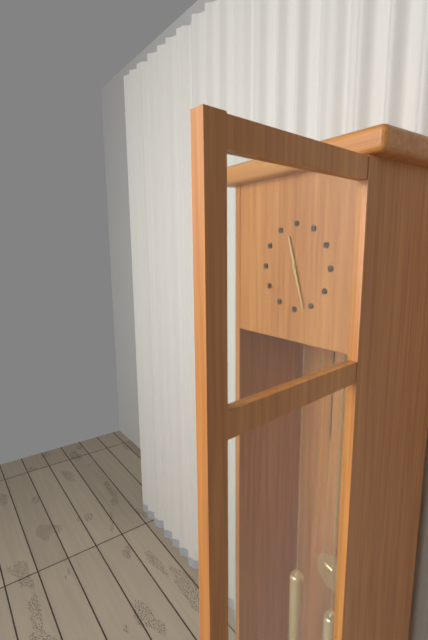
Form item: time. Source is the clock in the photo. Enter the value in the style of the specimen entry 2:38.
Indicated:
11:27
